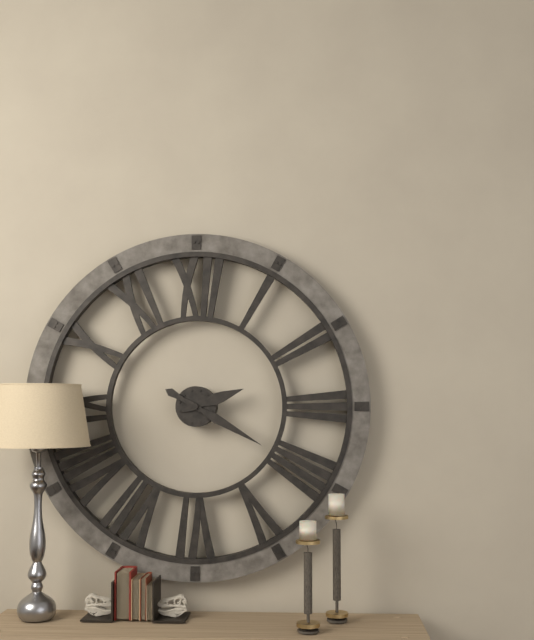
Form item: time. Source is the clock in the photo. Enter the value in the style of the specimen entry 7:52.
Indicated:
2:20
